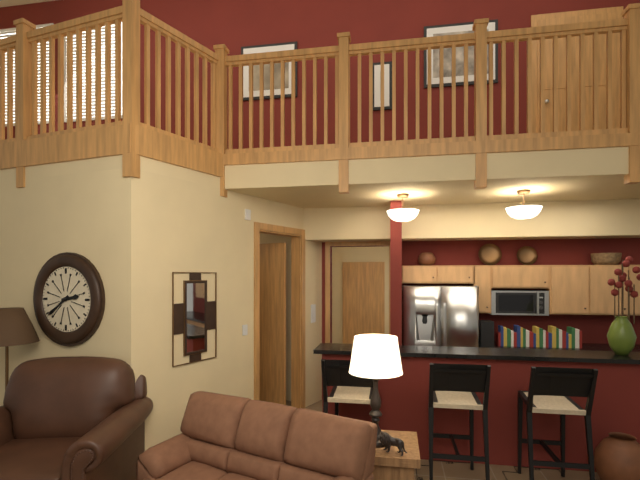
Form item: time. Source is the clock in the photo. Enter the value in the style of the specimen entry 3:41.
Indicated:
2:39
